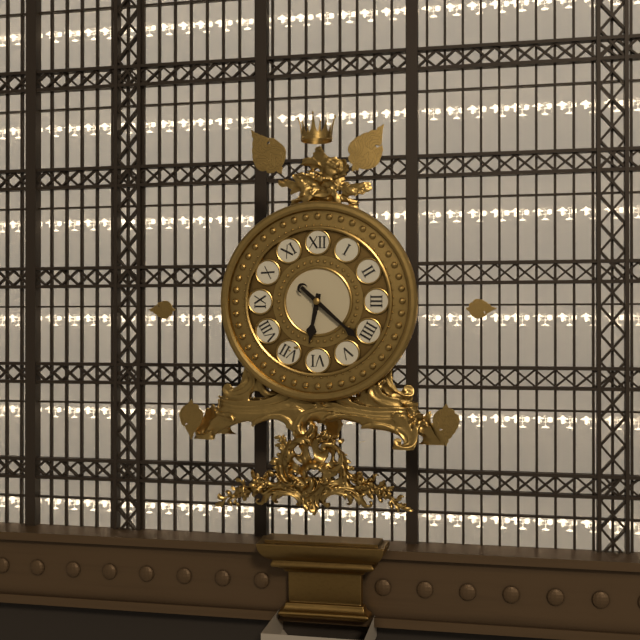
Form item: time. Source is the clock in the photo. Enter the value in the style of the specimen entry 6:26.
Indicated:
6:22
